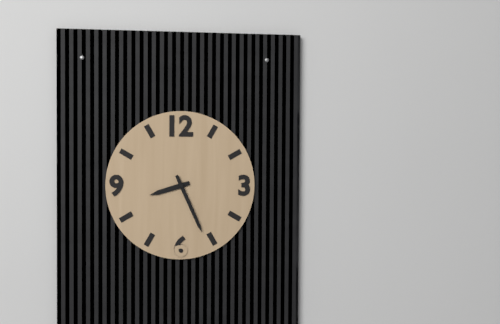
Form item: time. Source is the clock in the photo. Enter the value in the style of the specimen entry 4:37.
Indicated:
8:26
